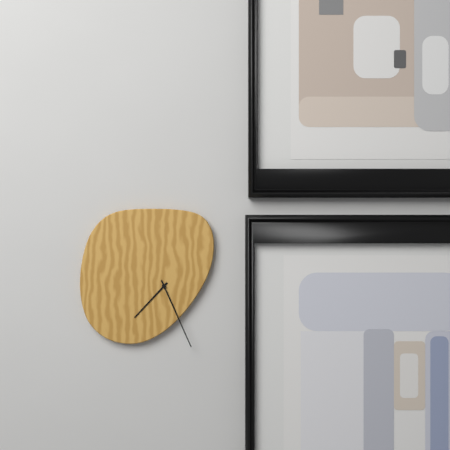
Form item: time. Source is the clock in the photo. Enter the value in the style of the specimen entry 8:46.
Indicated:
7:26
